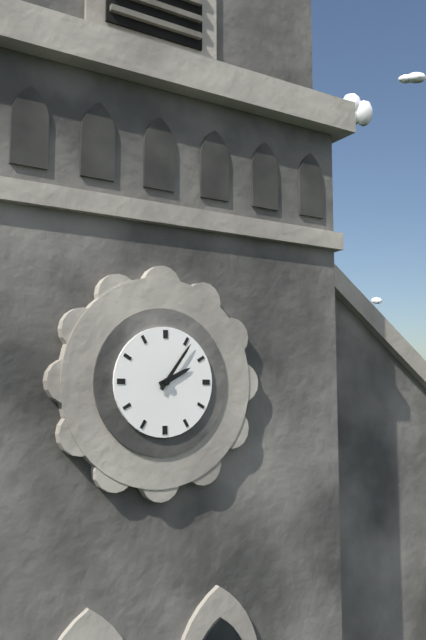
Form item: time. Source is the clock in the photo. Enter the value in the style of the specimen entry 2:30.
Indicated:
2:06
